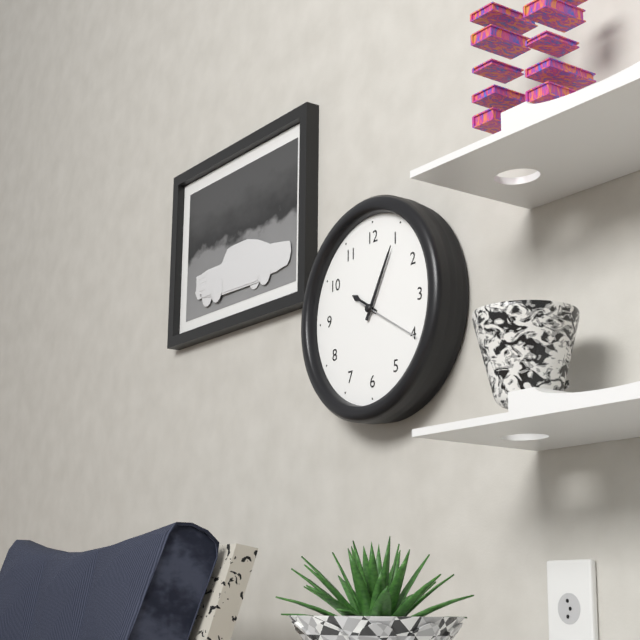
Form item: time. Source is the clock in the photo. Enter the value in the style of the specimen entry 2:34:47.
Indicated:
10:05:20
